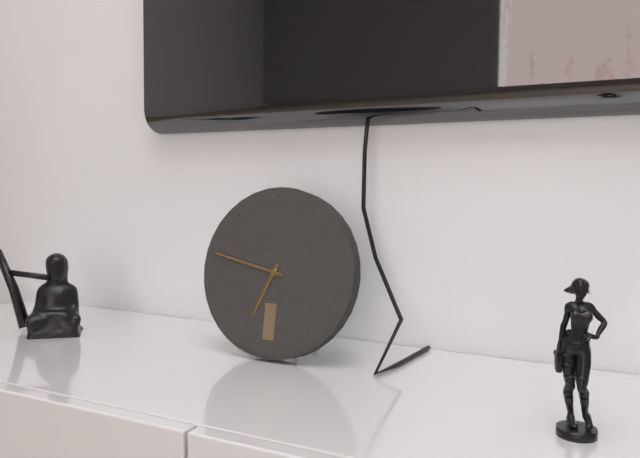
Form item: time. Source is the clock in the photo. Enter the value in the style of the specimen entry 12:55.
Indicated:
6:47
